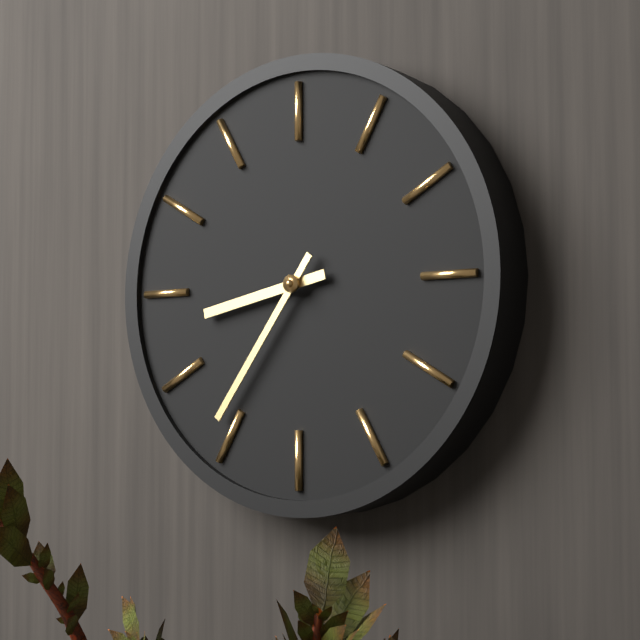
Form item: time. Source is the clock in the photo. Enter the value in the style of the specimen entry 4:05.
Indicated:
8:36
